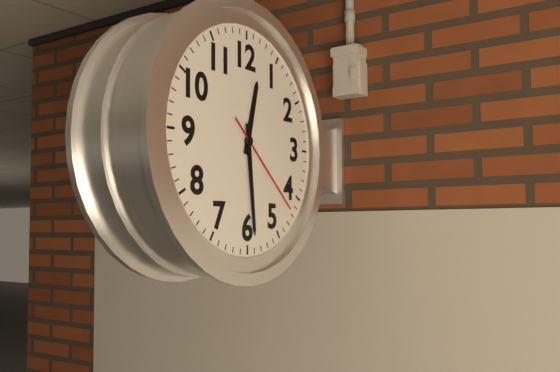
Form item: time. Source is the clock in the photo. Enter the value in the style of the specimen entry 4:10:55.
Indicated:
12:29:22
